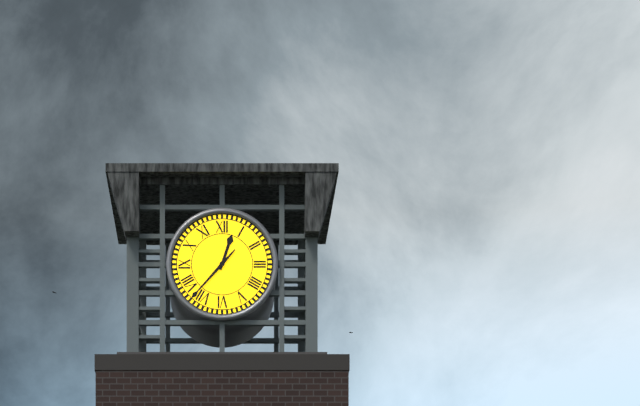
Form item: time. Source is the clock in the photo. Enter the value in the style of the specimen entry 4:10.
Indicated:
12:37
